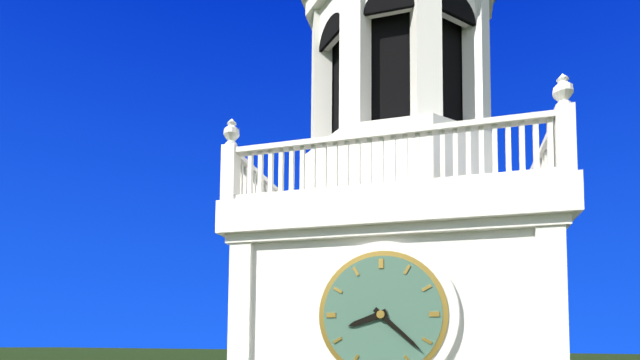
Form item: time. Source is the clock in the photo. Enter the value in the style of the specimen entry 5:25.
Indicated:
8:22
